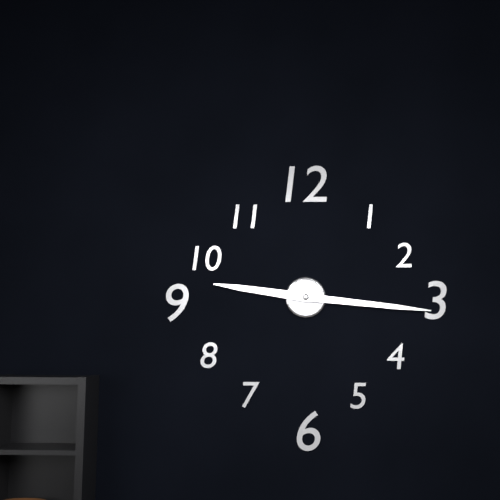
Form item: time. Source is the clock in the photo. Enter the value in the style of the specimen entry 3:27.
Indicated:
9:16
